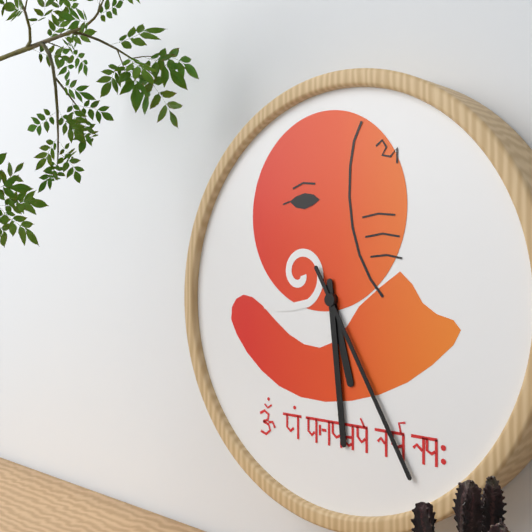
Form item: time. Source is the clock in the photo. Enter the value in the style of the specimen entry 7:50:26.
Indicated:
5:29:25
